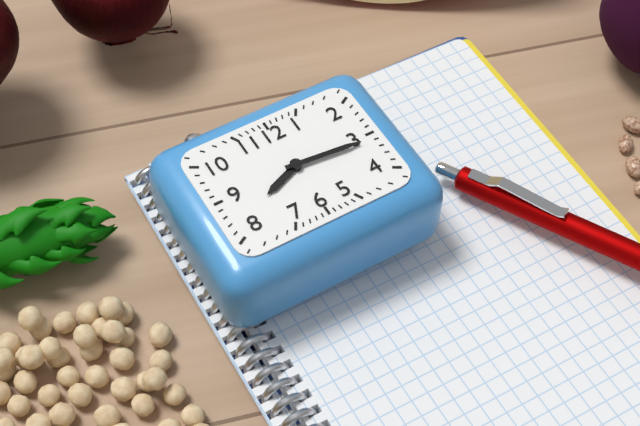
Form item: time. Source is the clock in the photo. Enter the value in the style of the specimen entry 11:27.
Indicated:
8:16
